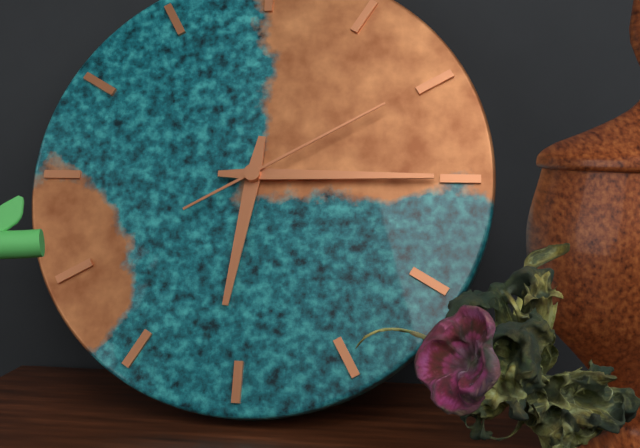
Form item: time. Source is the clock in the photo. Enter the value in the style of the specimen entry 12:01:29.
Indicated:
6:15:10
